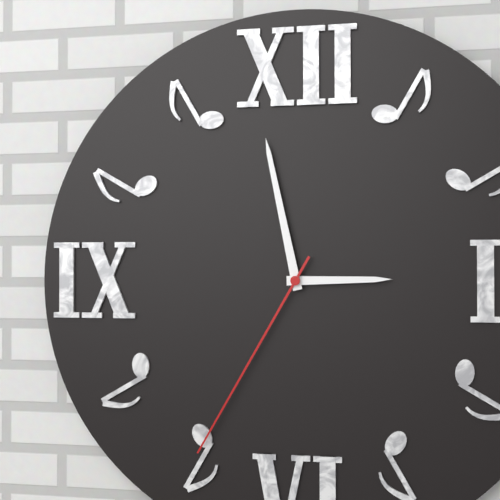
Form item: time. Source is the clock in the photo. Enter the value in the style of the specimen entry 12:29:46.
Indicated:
2:58:35
